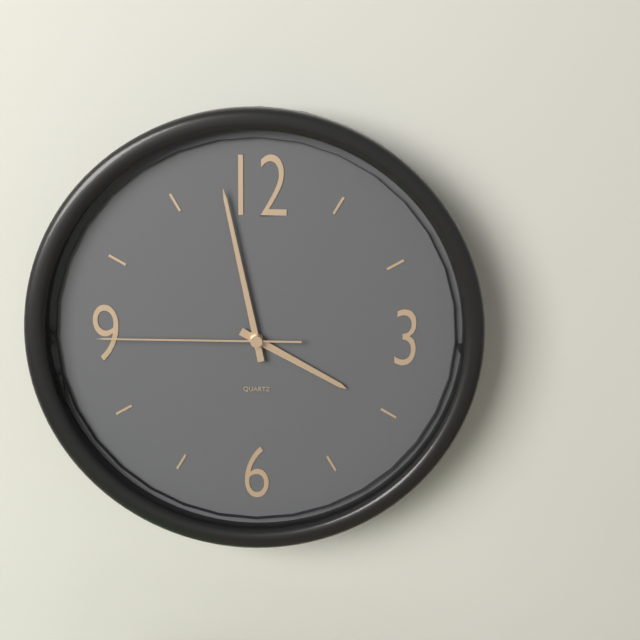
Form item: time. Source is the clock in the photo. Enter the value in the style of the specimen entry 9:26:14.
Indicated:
3:58:45
